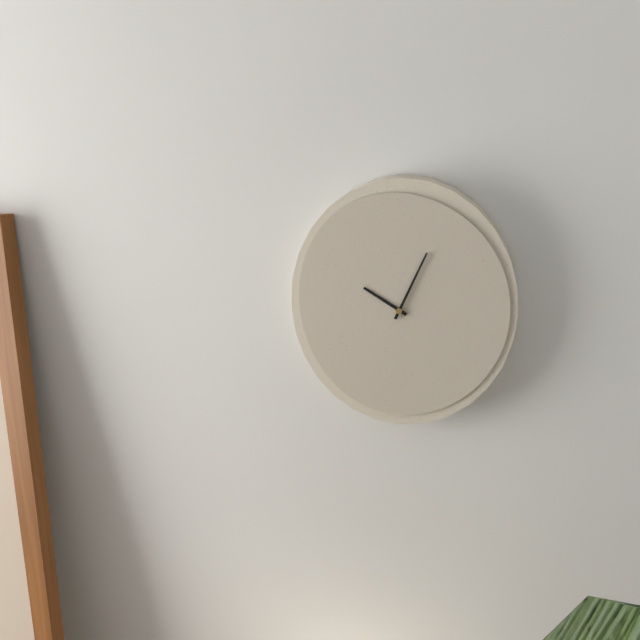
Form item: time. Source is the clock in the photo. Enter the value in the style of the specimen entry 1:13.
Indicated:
10:04
